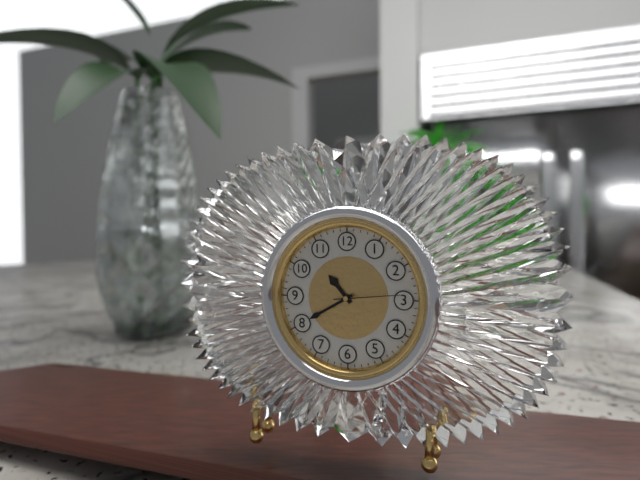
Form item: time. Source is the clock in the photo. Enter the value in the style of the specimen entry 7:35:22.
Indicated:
10:40:14
